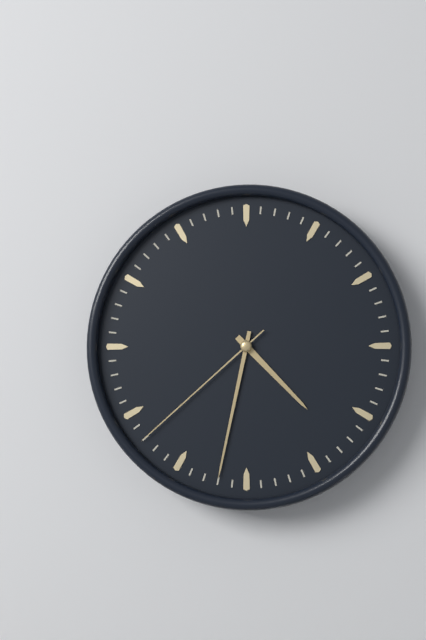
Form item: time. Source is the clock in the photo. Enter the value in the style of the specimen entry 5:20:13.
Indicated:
4:32:38
